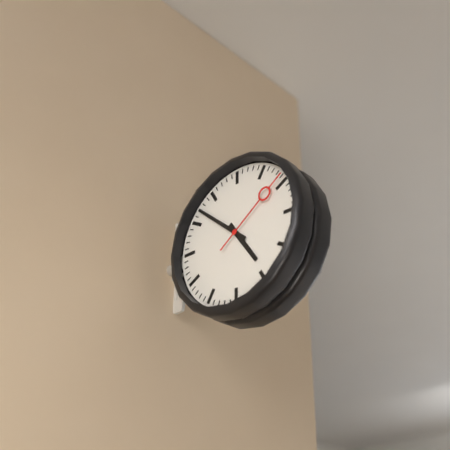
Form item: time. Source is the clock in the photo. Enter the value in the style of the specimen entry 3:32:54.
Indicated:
4:52:09
